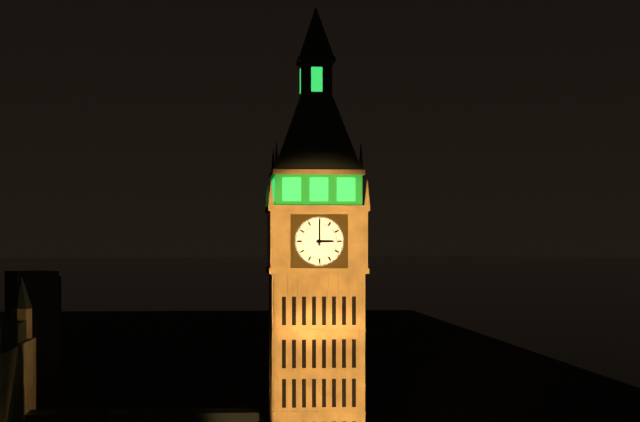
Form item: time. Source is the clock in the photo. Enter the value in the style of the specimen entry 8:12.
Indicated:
3:00
